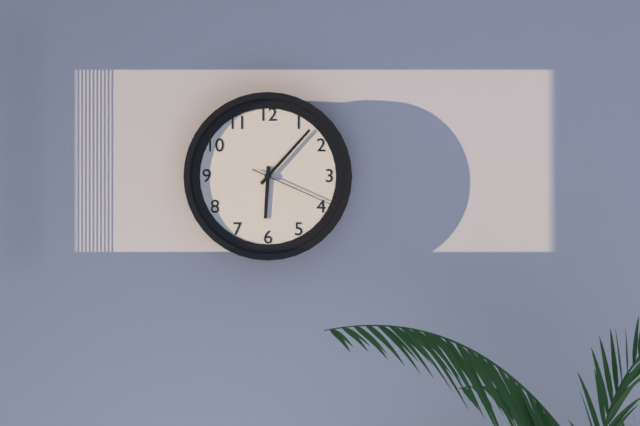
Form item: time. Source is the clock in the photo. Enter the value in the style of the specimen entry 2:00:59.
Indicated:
6:07:19
